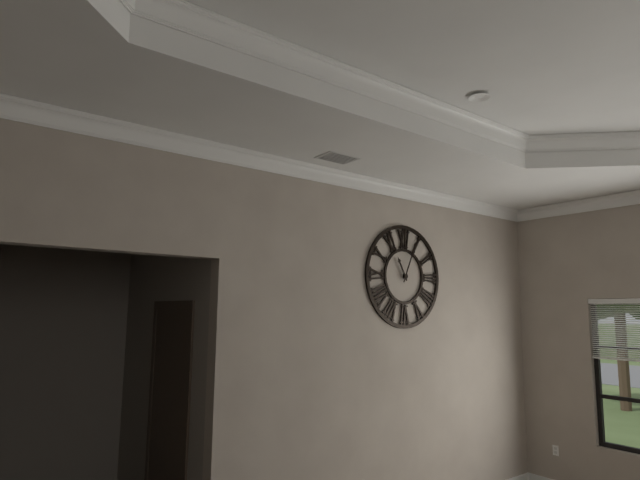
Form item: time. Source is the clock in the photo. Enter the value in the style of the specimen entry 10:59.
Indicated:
11:04
